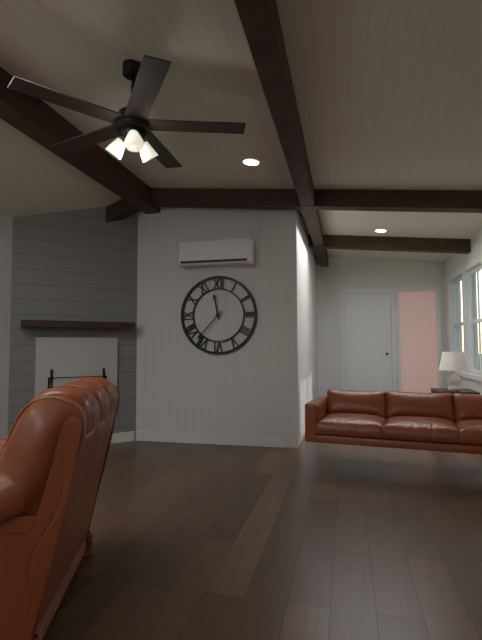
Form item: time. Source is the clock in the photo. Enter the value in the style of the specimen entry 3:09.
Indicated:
11:37
